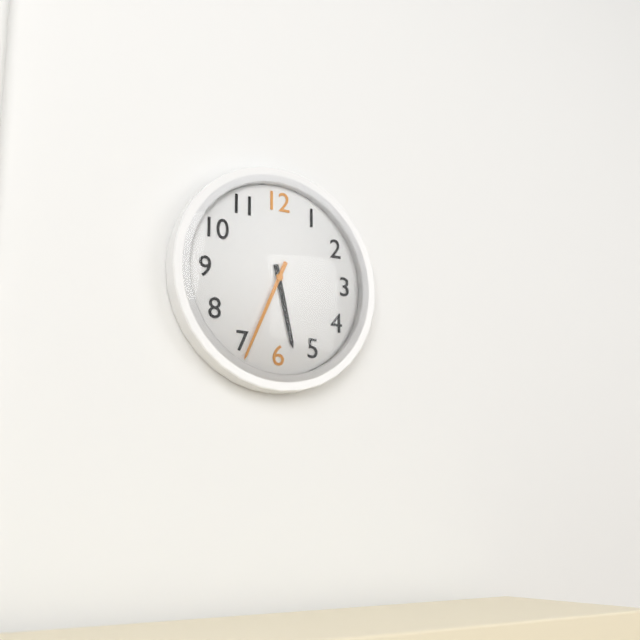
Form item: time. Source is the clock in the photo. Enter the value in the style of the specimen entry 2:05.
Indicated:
5:34
